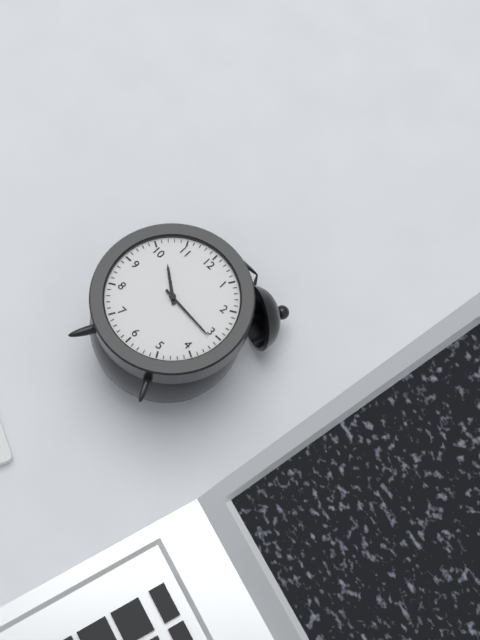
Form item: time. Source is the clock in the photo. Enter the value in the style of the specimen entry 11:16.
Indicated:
10:16
